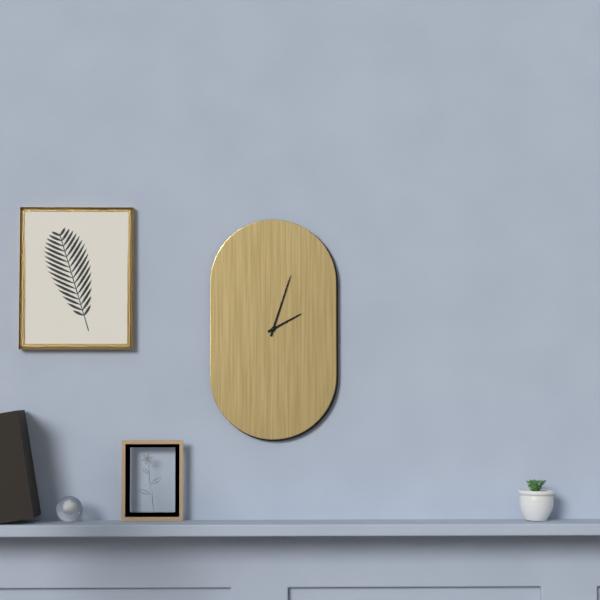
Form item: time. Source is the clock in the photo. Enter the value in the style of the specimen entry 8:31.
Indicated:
2:03
